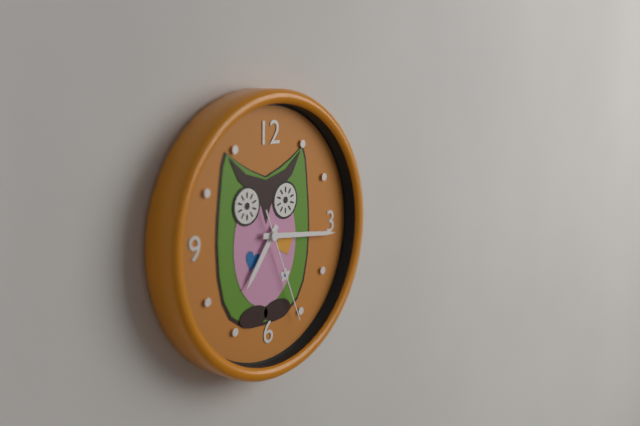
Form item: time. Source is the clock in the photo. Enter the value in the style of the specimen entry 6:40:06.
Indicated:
7:16:26
